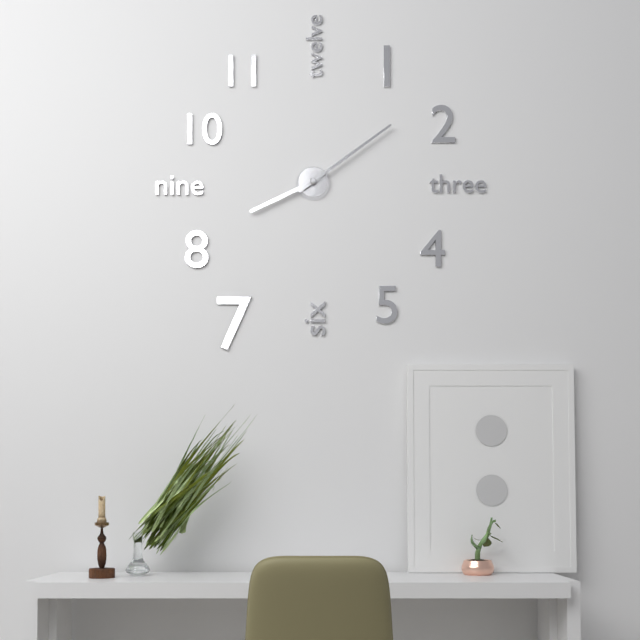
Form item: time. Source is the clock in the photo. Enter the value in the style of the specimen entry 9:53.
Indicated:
8:09
